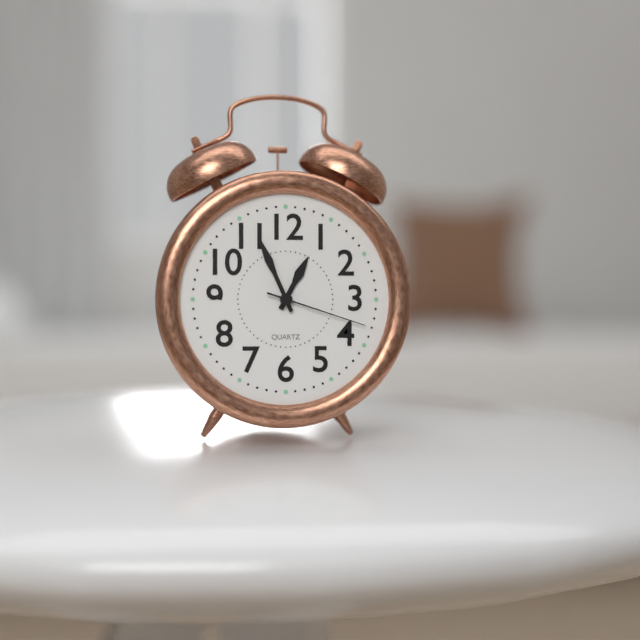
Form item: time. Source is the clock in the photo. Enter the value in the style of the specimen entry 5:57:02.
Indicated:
12:56:18
